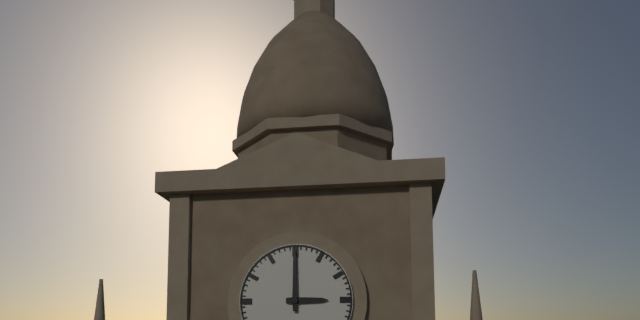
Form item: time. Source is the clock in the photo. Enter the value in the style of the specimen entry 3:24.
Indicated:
3:00
